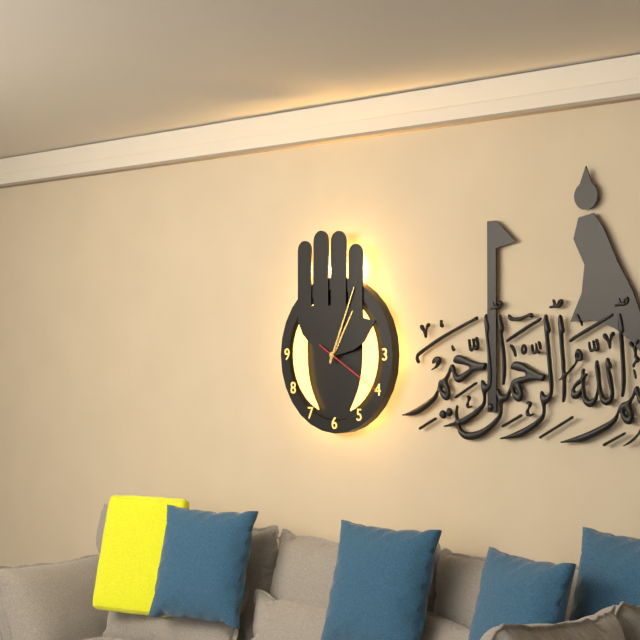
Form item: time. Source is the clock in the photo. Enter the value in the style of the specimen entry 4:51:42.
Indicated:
1:04:20
